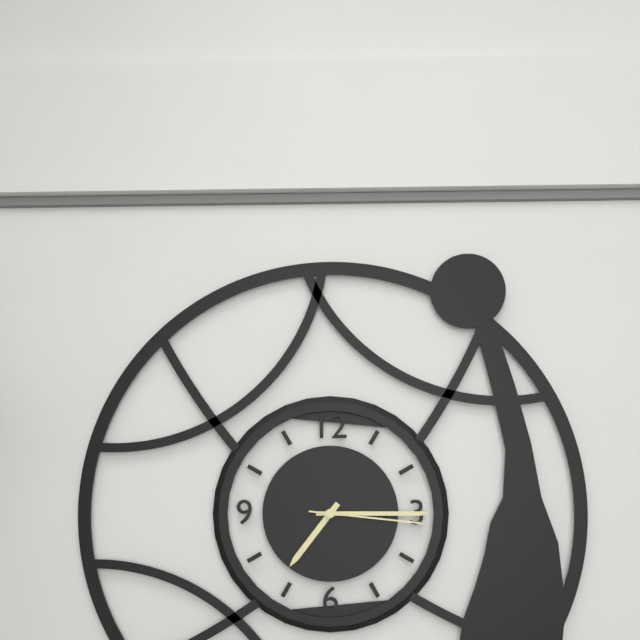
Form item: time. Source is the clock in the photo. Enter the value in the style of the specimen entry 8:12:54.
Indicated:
7:15:16
